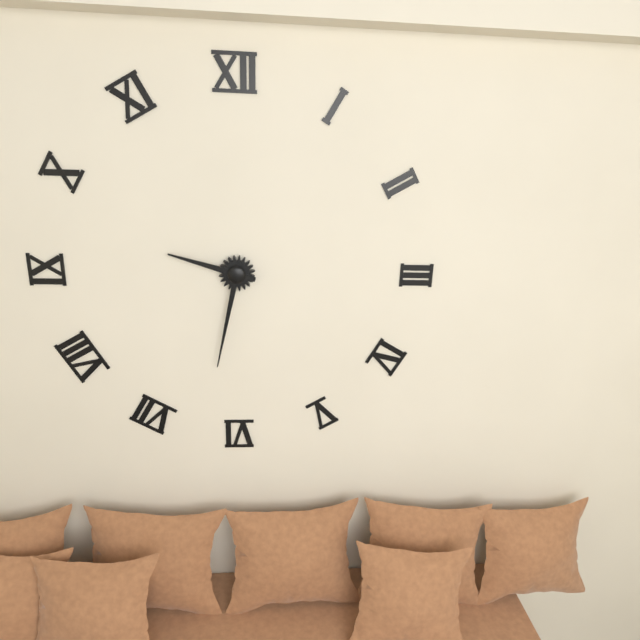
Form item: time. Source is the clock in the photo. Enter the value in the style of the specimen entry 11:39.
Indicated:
9:32
